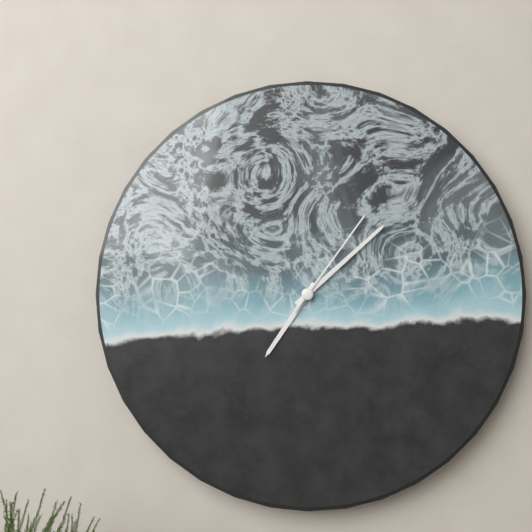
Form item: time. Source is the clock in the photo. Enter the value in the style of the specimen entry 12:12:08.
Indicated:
7:08:06
